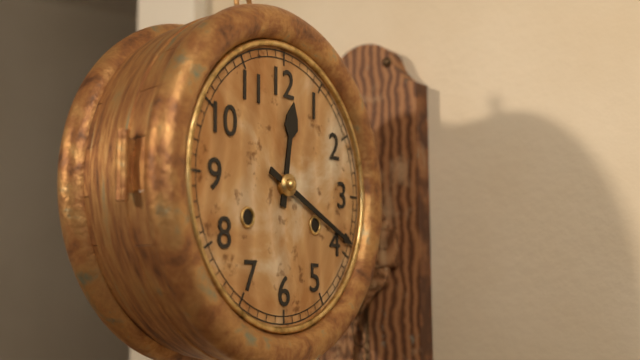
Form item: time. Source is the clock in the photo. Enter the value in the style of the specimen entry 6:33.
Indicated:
12:19
